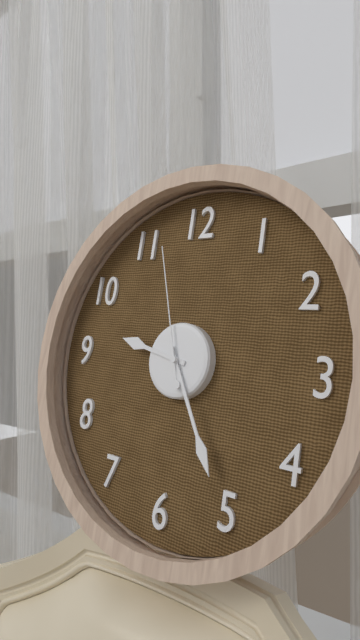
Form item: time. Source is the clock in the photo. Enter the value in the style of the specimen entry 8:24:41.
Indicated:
9:25:57
